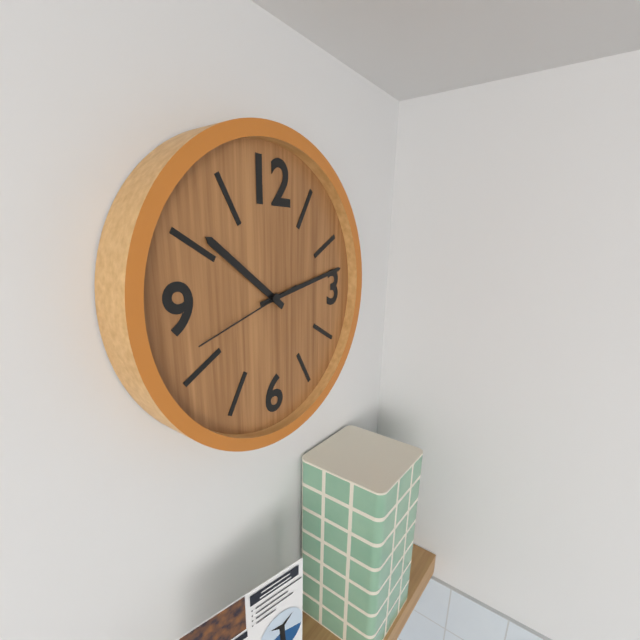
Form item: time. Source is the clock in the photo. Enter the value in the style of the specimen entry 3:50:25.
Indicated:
10:13:42
